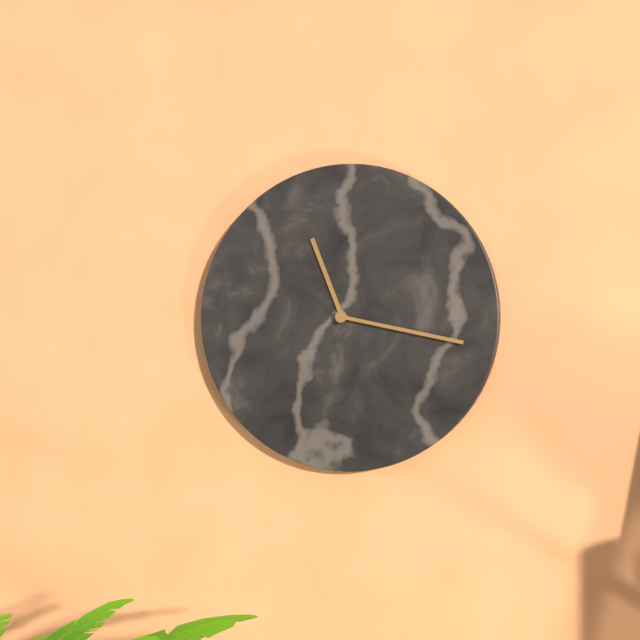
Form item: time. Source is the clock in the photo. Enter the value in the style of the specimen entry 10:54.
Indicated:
11:17
